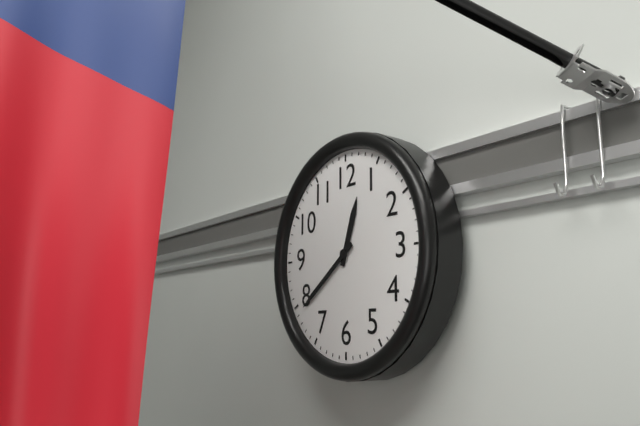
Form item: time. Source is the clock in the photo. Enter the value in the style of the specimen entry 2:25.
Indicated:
12:39
